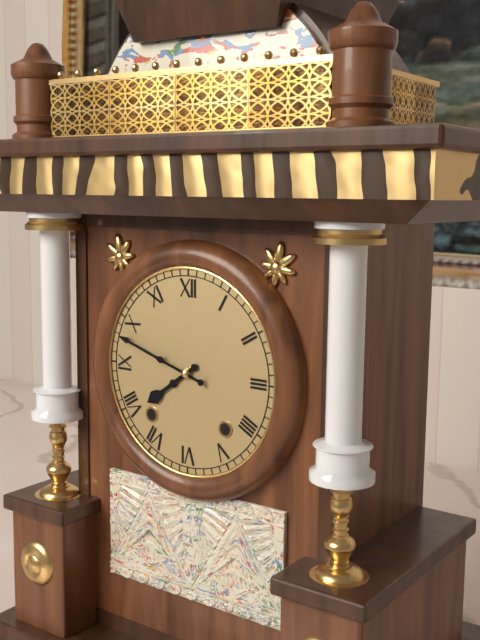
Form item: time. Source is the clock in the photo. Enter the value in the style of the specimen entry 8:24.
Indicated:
7:48
